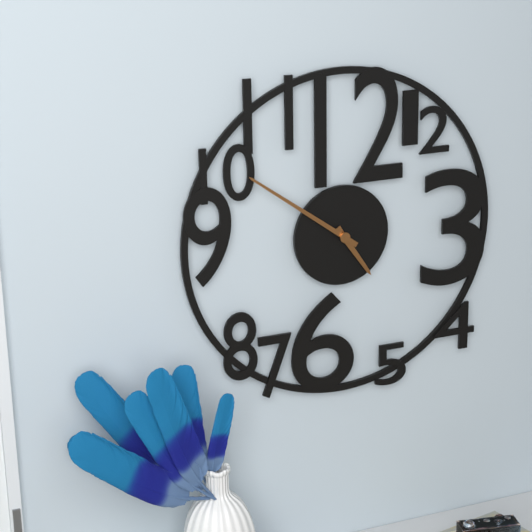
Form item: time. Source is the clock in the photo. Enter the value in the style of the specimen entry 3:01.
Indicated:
4:51
